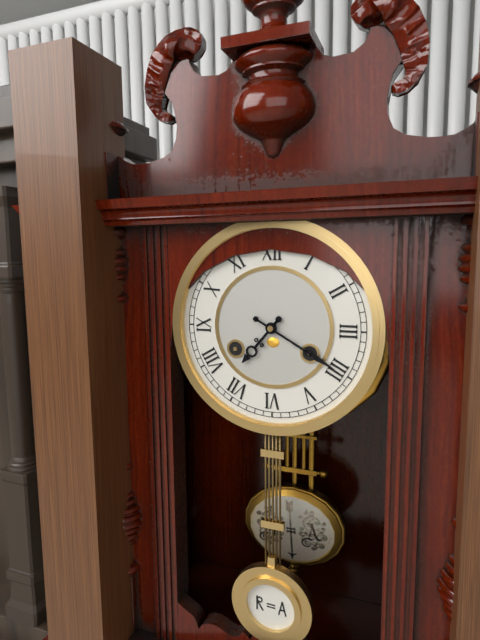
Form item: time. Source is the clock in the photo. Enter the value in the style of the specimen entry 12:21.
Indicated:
7:20
